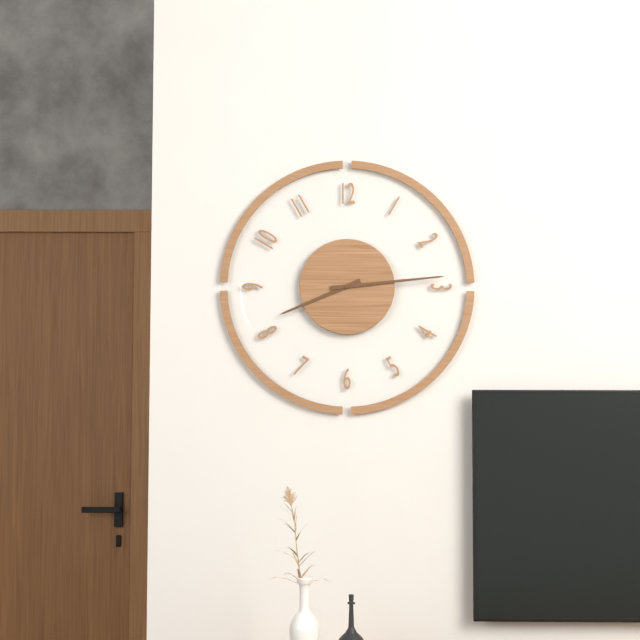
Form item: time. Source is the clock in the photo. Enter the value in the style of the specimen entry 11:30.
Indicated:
8:14
